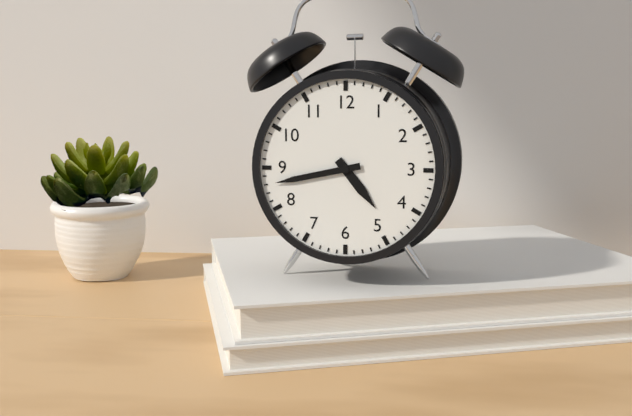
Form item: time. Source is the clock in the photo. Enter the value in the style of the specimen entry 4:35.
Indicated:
4:43
